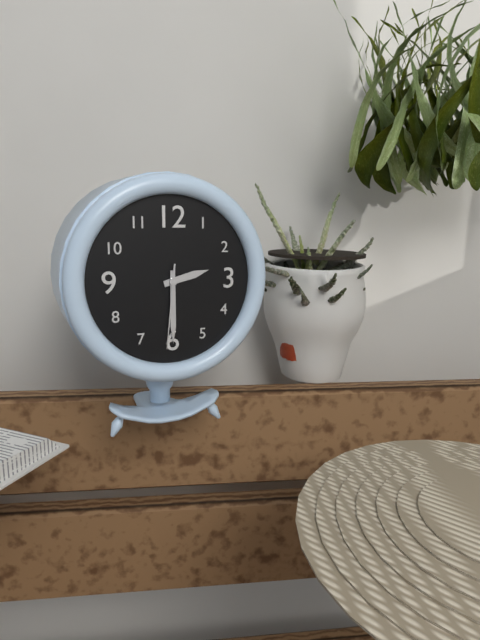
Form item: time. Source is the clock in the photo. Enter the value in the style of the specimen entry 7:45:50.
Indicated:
2:30:31
